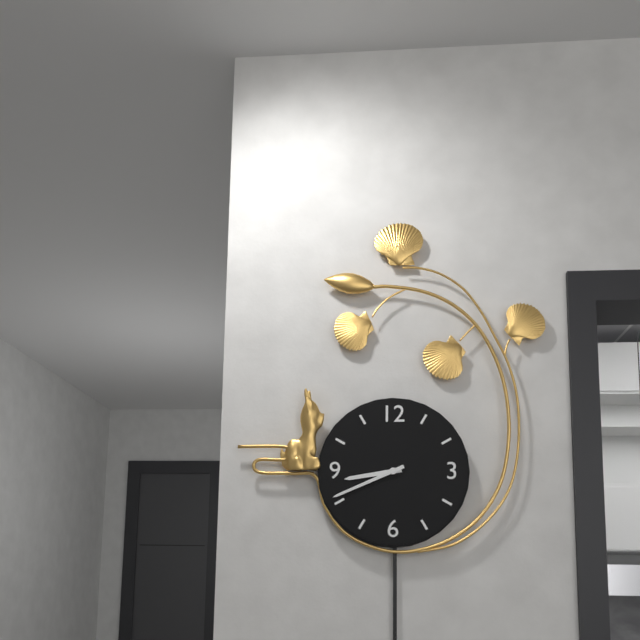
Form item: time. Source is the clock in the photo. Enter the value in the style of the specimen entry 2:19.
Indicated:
8:41
